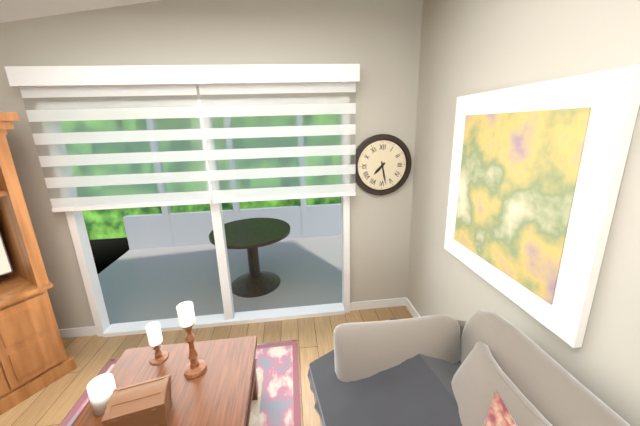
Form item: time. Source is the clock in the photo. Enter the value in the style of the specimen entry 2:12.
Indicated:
7:28
